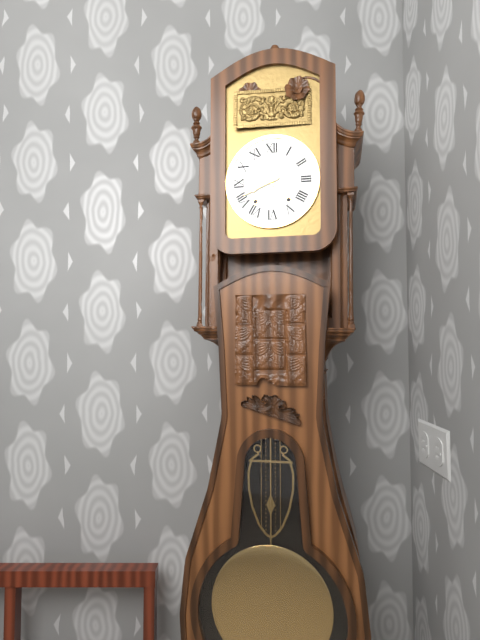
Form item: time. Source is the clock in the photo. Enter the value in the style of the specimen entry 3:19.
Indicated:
11:41
